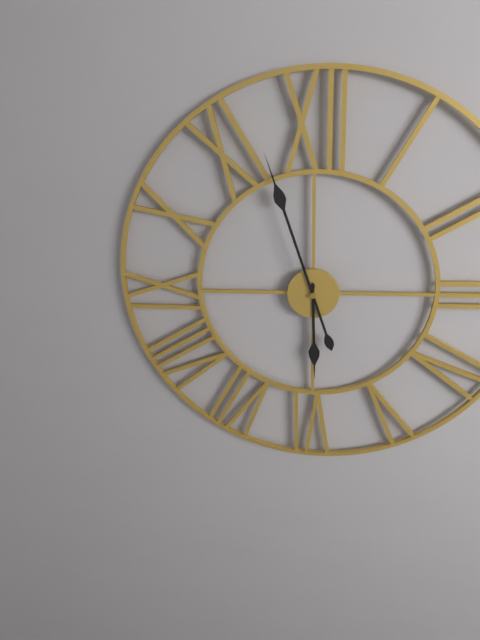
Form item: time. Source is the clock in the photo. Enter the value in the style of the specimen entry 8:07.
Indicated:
5:57
